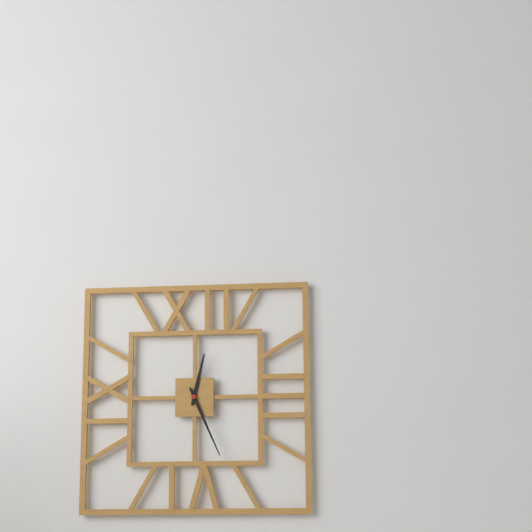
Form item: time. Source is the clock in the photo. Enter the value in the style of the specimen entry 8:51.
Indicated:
12:26
